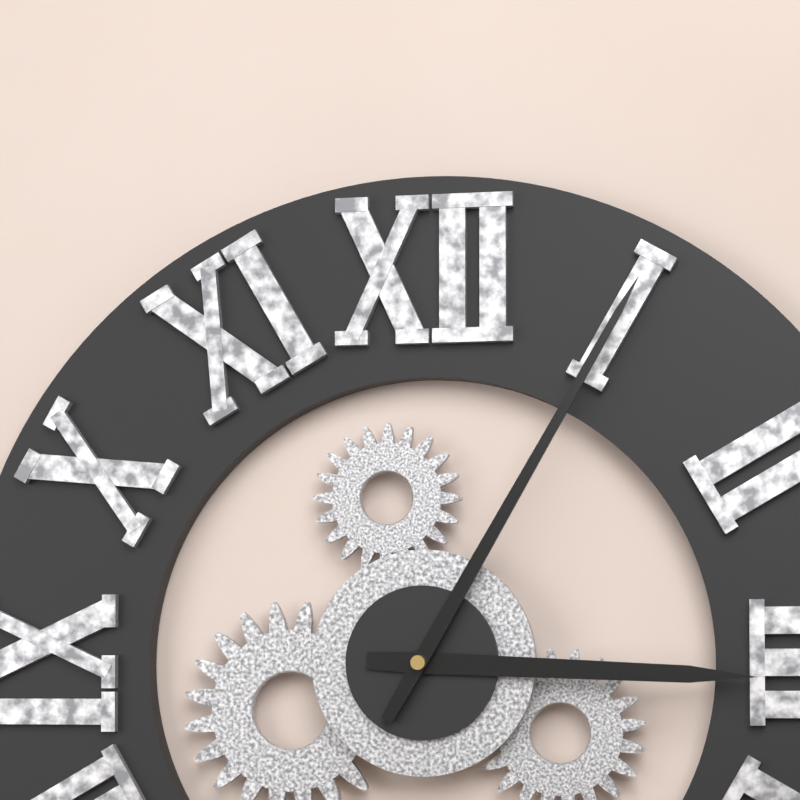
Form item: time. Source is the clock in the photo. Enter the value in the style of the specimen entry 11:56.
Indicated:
3:05
